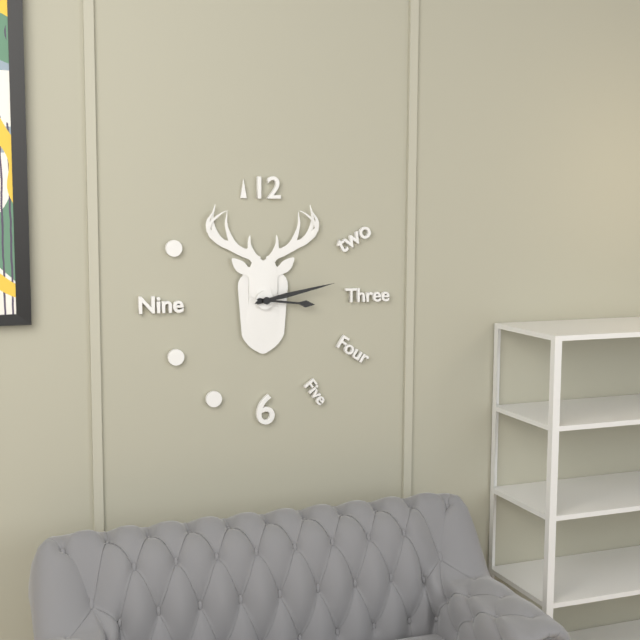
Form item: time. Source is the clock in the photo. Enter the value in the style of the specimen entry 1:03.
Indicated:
3:13
